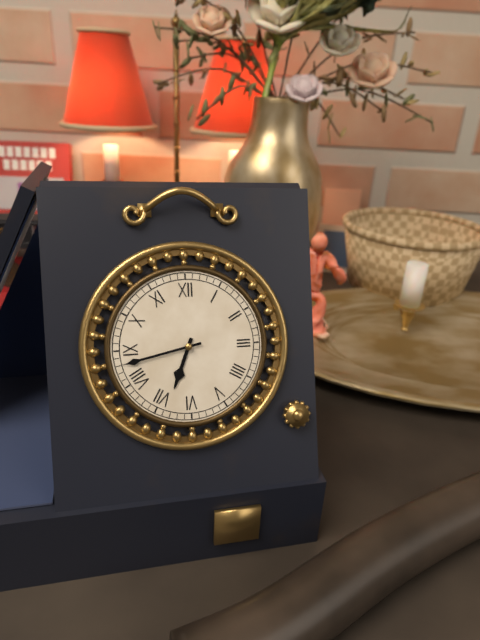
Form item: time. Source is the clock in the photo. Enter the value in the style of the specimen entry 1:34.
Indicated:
6:43
